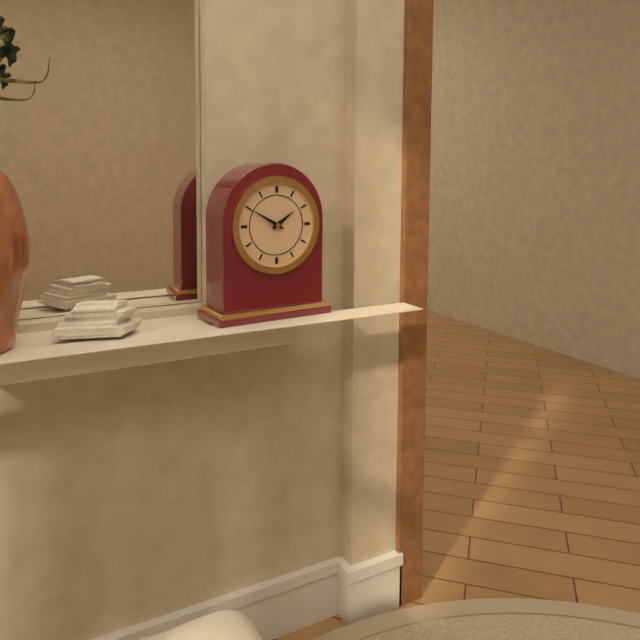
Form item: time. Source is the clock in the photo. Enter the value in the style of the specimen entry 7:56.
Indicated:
1:50
